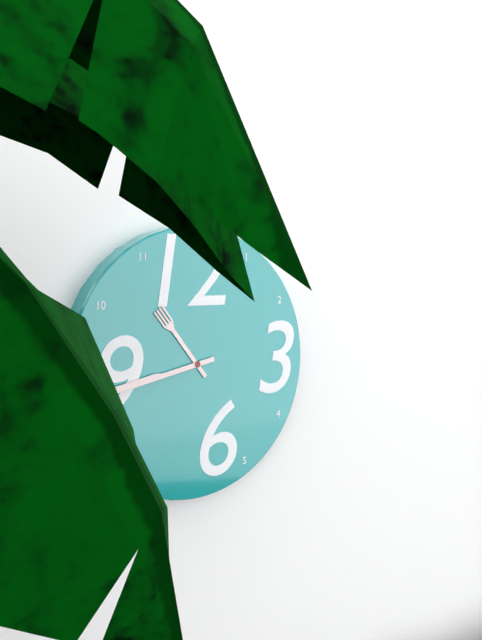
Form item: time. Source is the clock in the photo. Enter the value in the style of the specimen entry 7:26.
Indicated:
10:43
